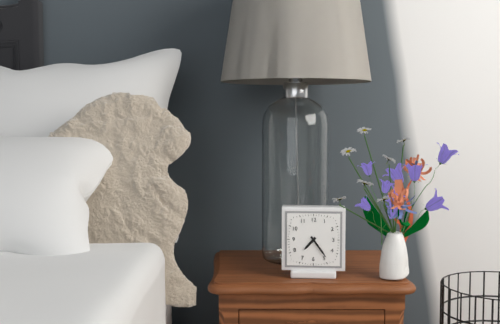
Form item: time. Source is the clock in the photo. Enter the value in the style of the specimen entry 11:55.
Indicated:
7:24
